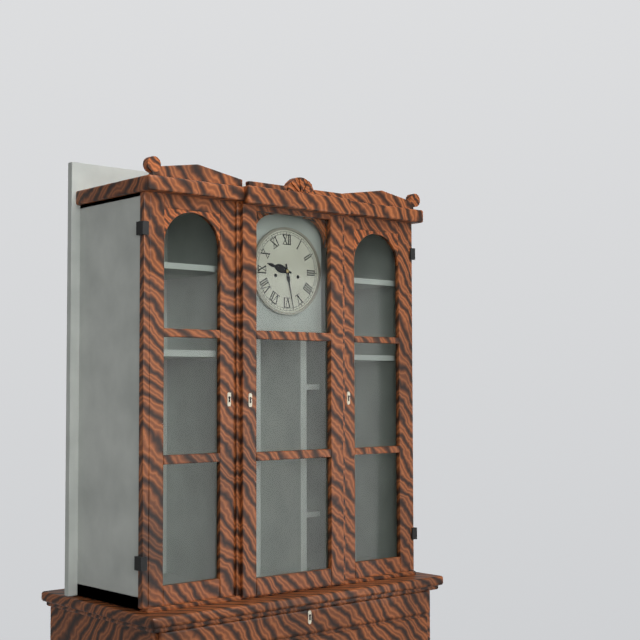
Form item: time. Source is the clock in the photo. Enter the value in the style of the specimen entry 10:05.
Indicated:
9:28
